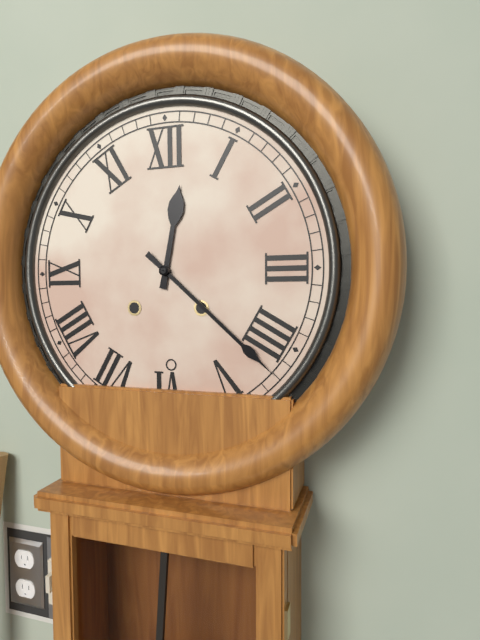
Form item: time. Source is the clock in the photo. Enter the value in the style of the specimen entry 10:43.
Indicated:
12:22
